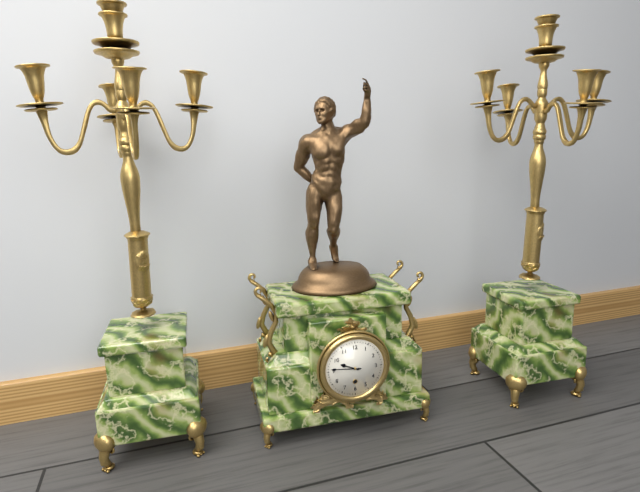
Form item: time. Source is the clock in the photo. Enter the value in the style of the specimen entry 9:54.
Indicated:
9:46
